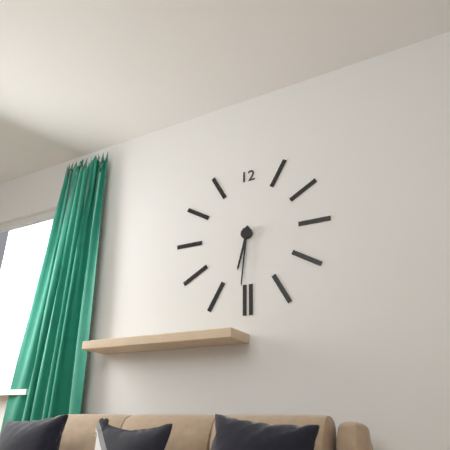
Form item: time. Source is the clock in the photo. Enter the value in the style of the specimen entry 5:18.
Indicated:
6:31
